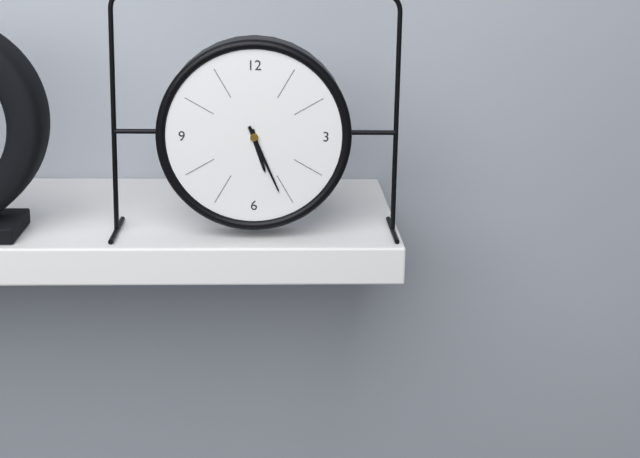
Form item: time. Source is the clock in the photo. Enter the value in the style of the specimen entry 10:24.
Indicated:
5:26
